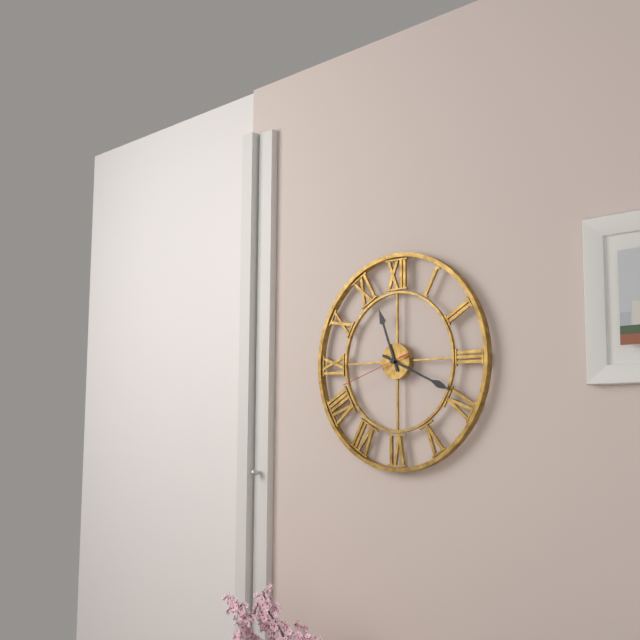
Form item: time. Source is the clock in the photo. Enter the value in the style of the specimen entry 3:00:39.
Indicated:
11:19:42
